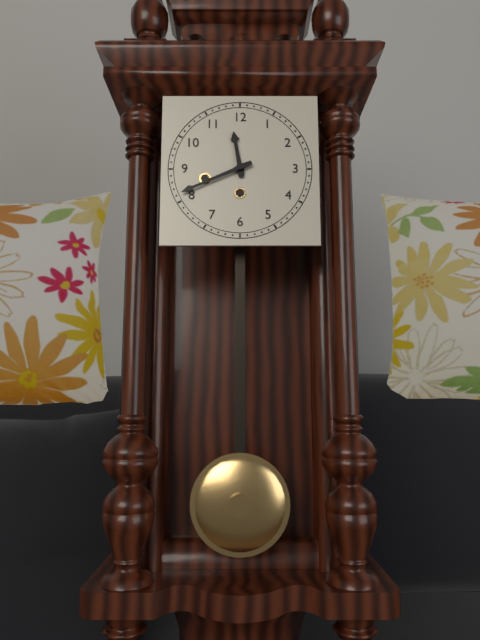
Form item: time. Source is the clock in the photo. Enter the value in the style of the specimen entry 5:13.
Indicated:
11:41
